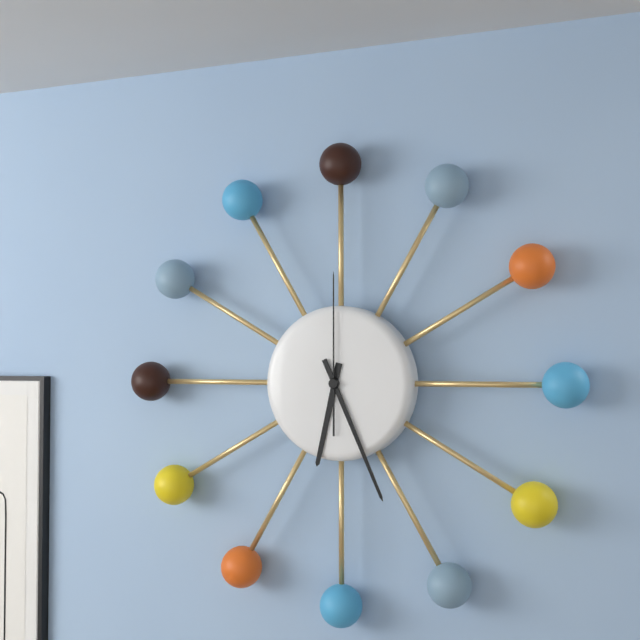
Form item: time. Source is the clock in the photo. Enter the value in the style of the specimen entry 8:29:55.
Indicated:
6:26:00
